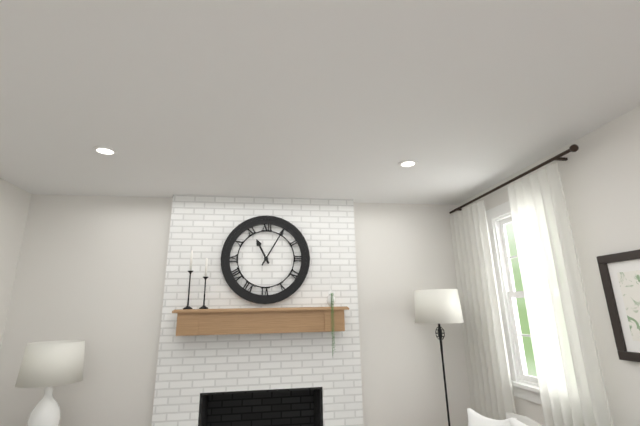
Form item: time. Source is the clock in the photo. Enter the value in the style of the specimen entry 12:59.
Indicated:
11:05
